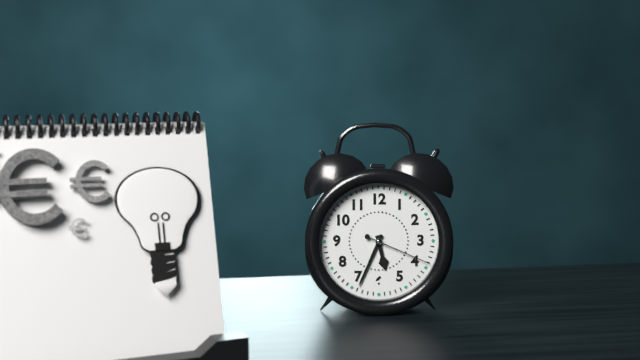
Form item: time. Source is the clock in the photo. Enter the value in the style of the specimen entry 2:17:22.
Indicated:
5:34:19
